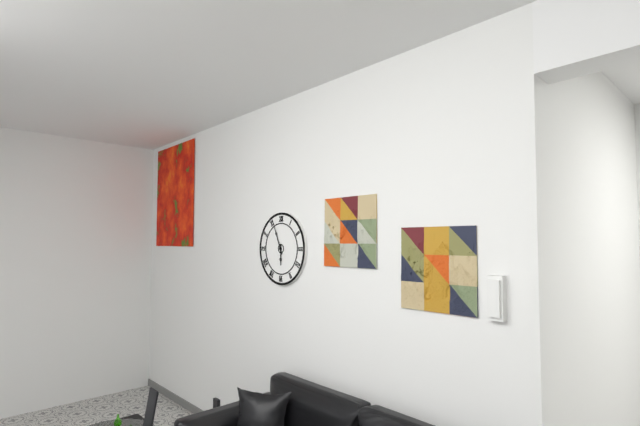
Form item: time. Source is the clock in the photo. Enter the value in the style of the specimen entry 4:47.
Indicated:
5:56
